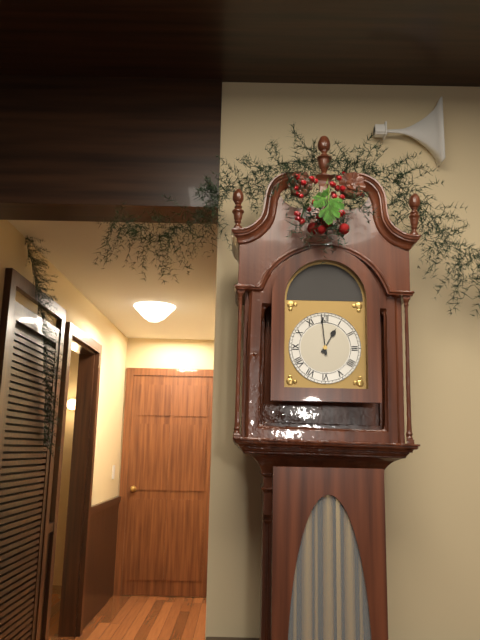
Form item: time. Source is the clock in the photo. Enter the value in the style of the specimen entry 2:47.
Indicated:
12:59
